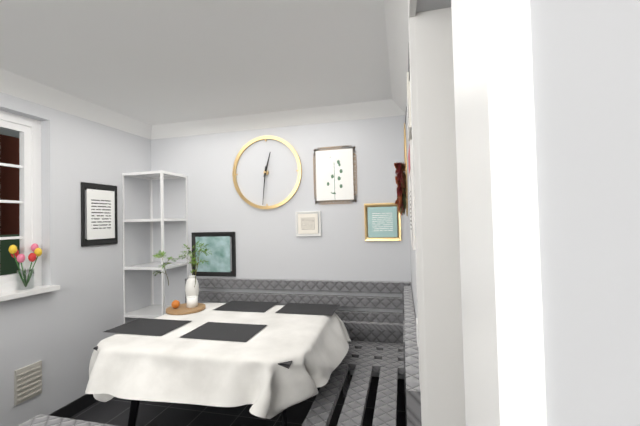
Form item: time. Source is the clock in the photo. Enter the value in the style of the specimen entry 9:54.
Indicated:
12:31
